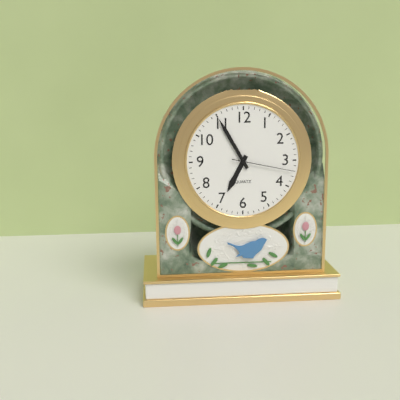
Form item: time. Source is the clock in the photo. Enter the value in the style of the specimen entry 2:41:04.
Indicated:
6:55:17
